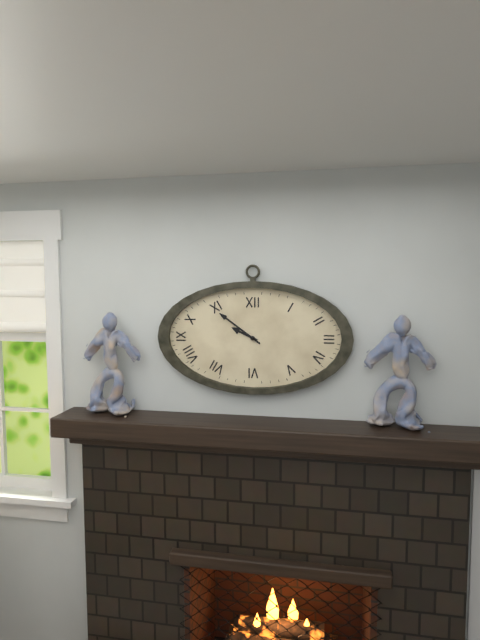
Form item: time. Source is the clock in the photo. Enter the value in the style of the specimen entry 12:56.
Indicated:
9:51
